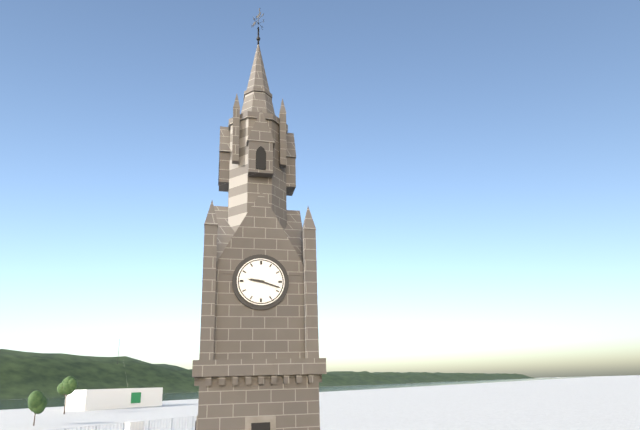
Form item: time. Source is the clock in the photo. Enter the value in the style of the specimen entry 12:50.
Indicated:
9:18
